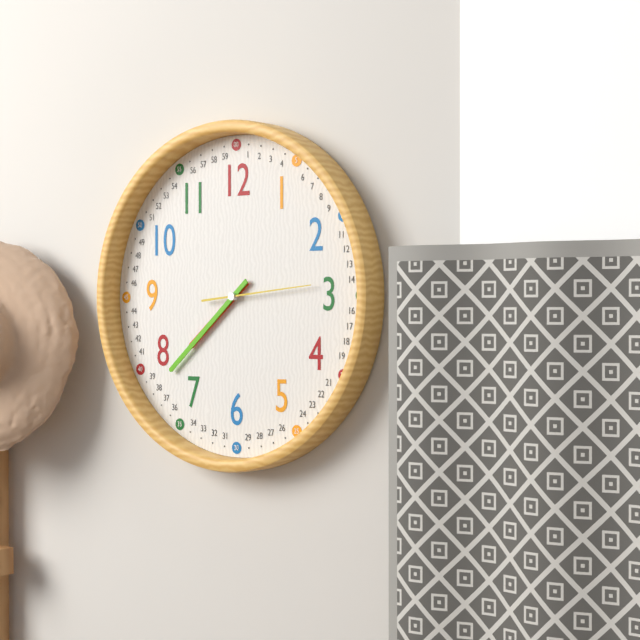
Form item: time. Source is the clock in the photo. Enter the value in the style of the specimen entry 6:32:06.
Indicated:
7:38:14
